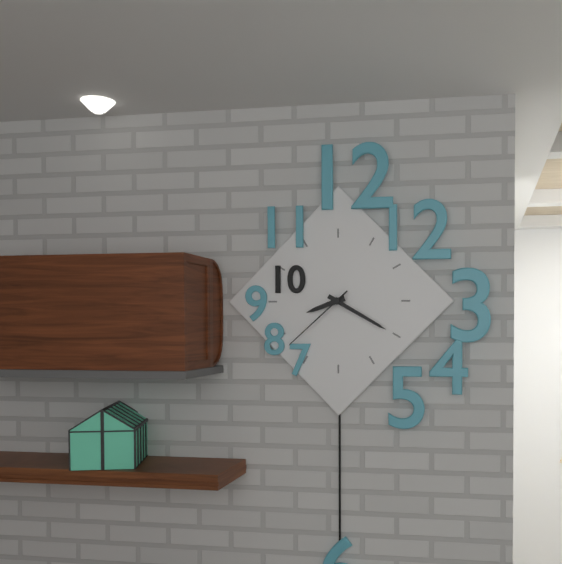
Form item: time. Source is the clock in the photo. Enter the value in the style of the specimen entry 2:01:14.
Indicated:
8:20:38
